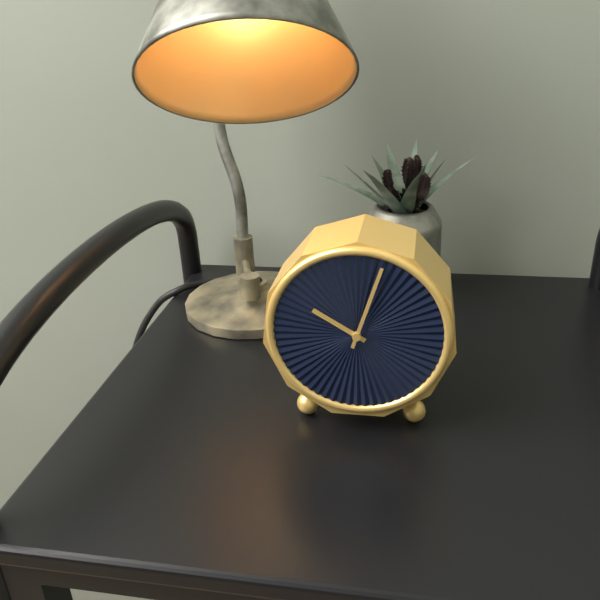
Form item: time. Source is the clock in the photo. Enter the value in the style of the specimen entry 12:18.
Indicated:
10:03
